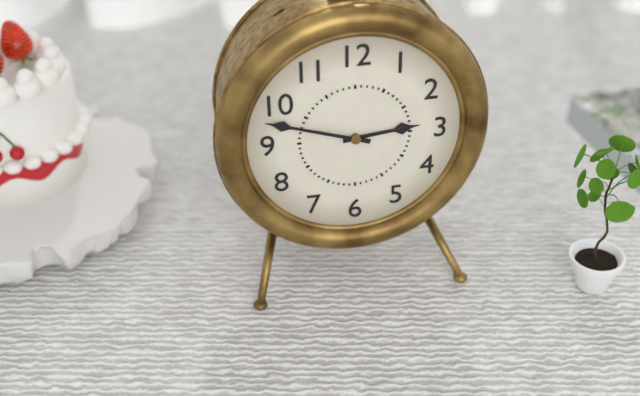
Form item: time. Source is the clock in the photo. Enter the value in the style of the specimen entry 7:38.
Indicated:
2:48
